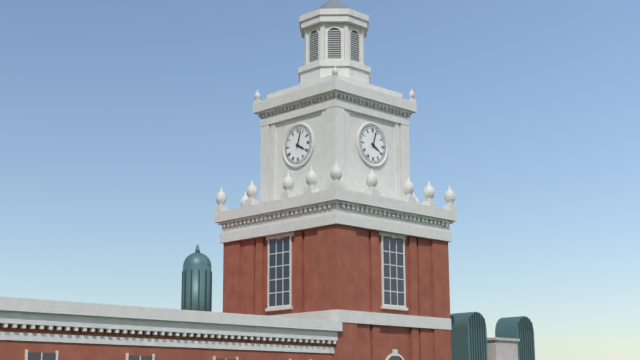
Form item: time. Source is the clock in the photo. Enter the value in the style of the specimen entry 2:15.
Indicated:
4:03
